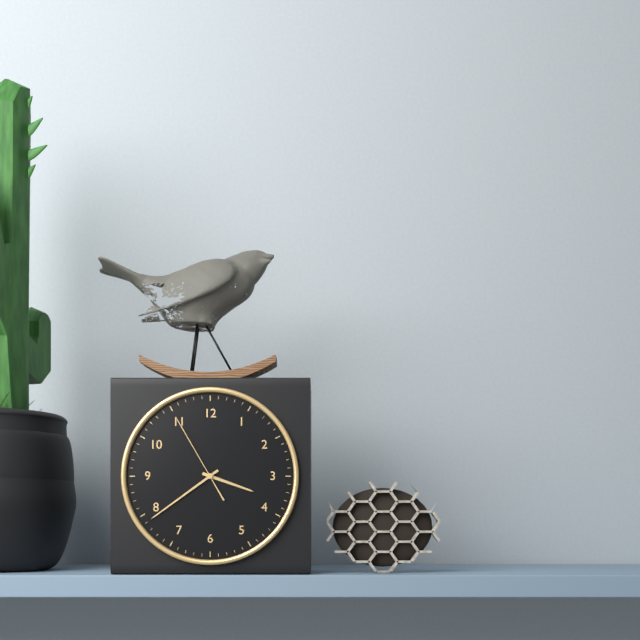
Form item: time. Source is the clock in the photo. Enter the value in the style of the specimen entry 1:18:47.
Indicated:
3:39:55
